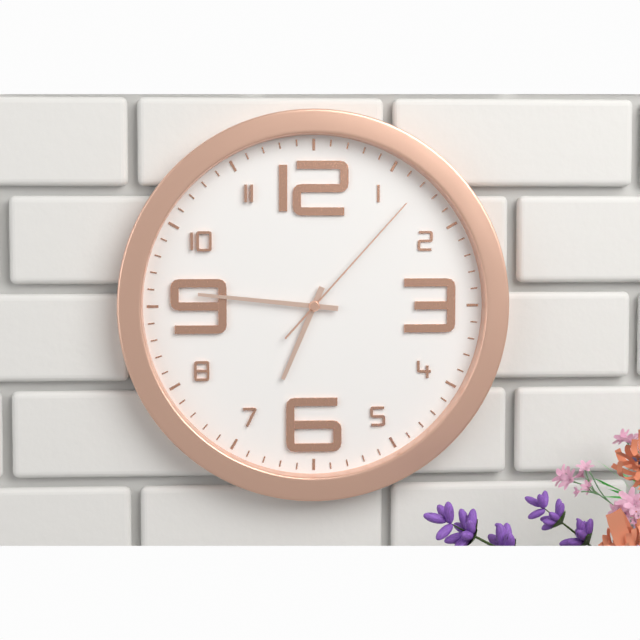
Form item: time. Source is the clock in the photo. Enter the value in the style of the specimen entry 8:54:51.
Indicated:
6:46:07
